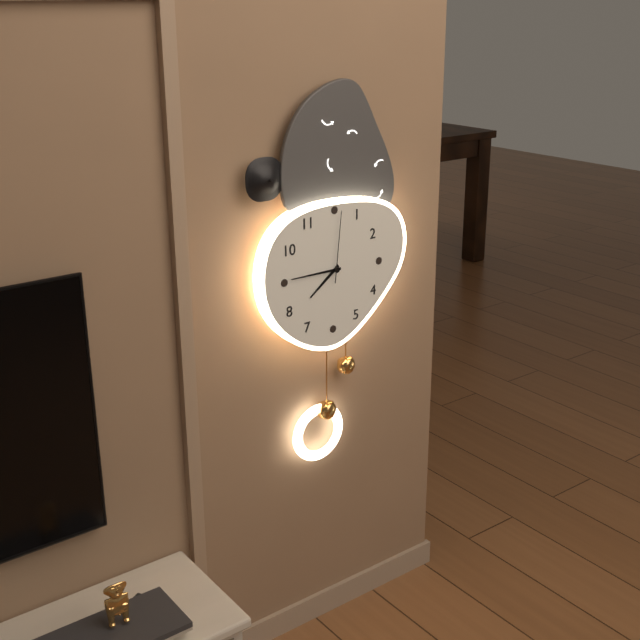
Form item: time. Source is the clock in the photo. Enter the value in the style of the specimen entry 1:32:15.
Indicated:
7:45:01
